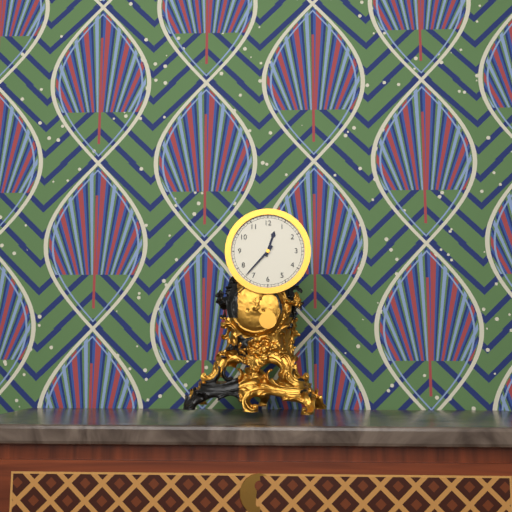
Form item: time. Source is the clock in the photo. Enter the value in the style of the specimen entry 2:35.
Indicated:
12:37
